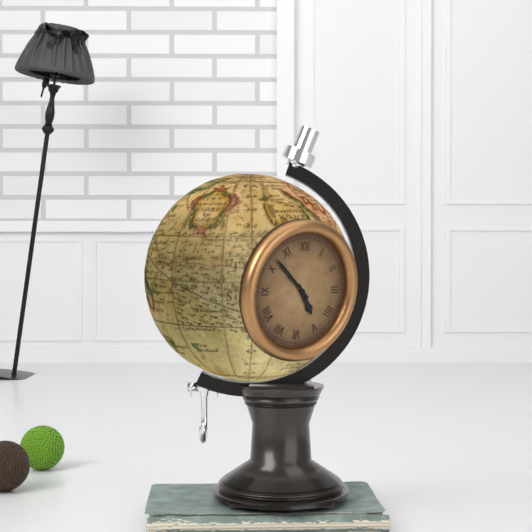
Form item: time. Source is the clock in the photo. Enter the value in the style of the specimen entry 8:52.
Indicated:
4:52
